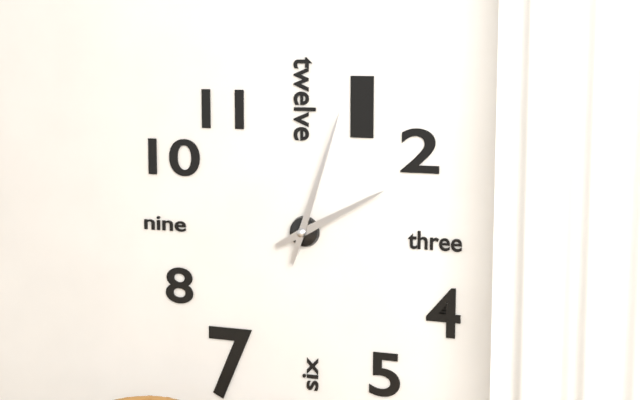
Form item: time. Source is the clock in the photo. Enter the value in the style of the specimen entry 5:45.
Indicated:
2:03
